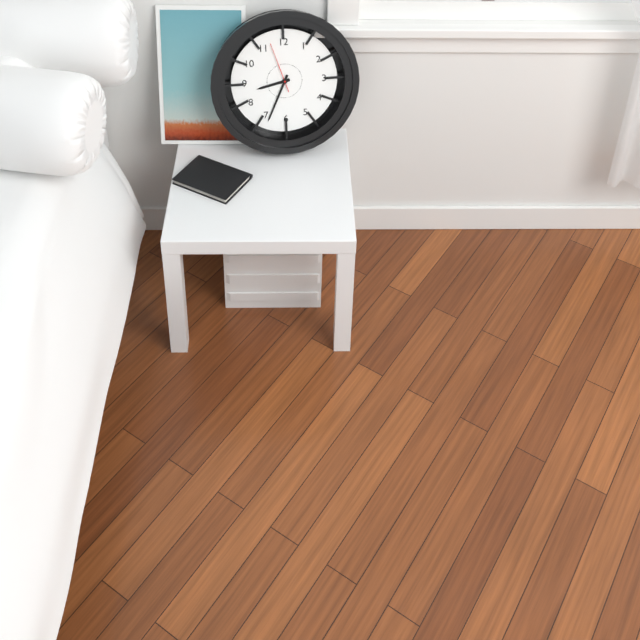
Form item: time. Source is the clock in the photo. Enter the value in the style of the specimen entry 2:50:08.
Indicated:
8:34:57
